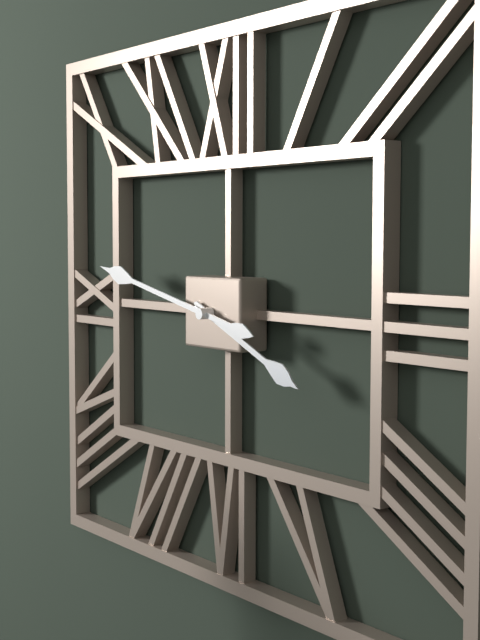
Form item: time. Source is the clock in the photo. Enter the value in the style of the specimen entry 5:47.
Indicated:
3:47
